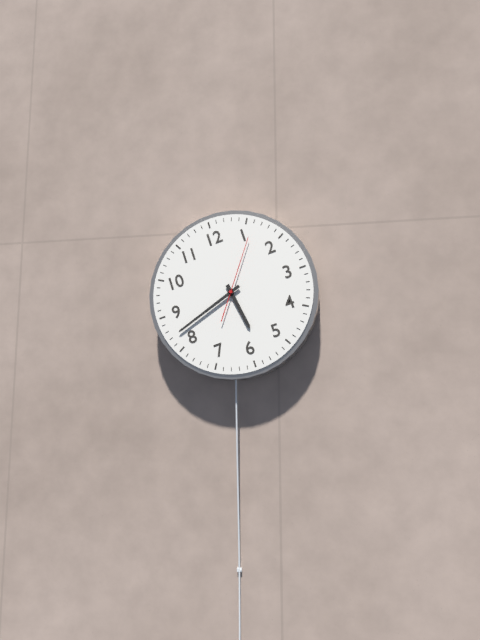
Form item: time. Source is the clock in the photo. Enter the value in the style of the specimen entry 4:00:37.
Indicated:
5:42:06
